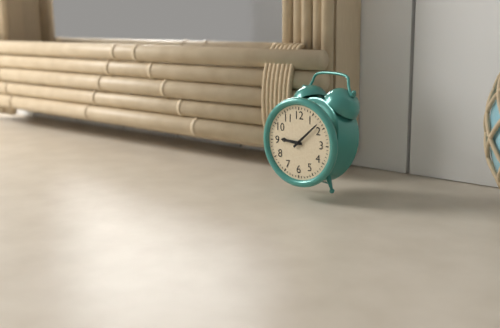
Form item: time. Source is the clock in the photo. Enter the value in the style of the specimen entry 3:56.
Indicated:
9:08
